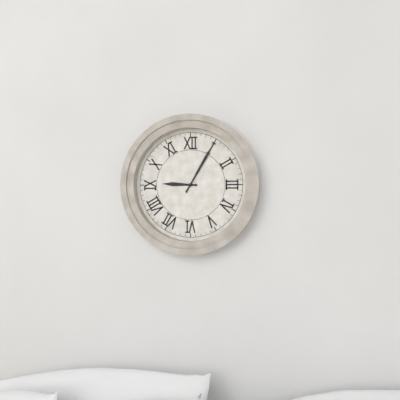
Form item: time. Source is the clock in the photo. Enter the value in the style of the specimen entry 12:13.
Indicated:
9:05
